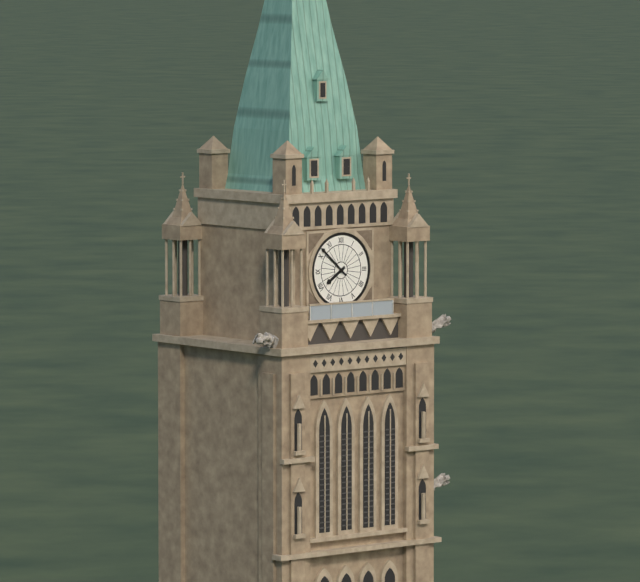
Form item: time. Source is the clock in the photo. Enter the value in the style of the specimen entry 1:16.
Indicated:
7:52
